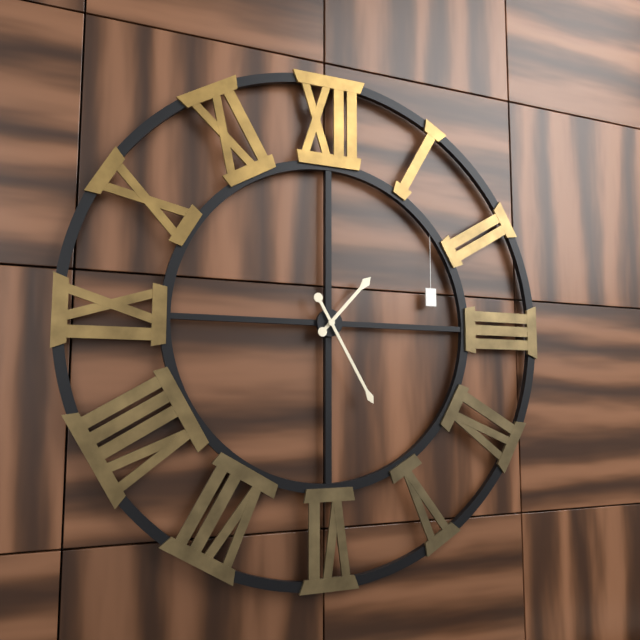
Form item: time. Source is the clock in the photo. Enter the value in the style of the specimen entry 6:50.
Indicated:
1:25
